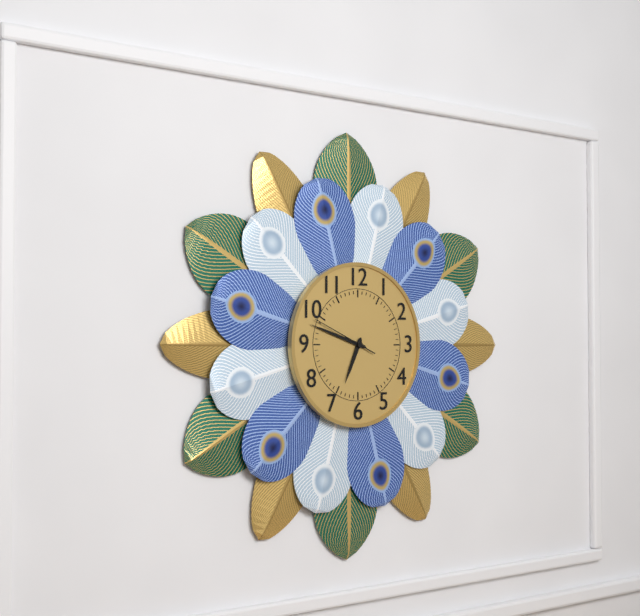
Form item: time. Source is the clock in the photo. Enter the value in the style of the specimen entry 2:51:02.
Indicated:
6:48:49
